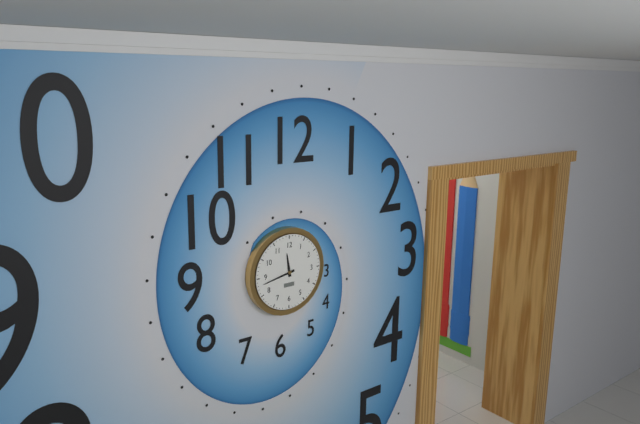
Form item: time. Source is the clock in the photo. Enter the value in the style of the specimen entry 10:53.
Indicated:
11:43
